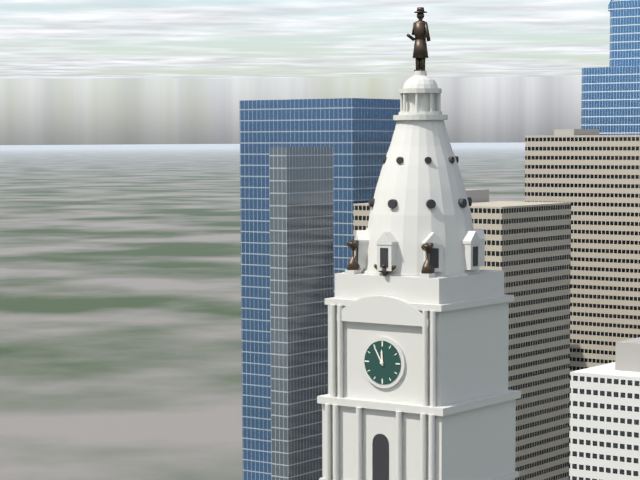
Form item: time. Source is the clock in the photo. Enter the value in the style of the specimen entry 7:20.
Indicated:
11:55
